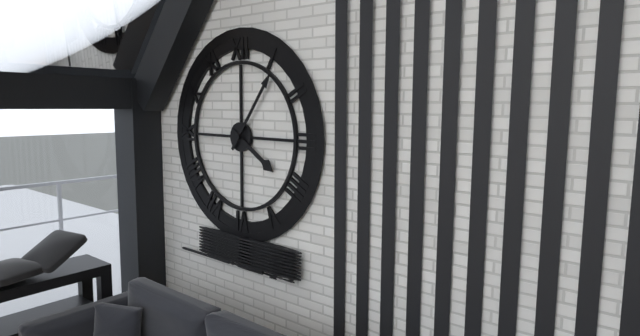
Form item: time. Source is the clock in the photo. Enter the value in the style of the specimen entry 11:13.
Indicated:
4:06
